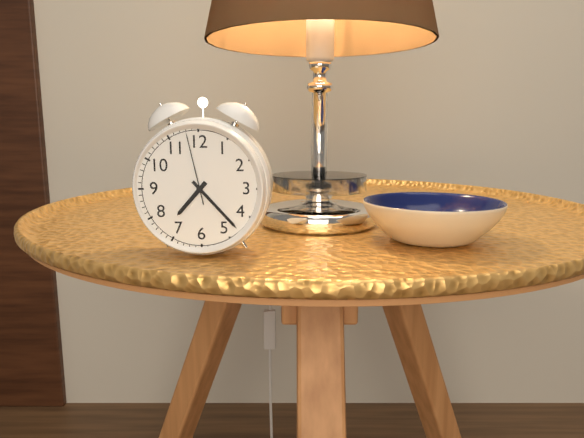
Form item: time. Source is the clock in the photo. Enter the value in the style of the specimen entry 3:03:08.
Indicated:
7:23:58
